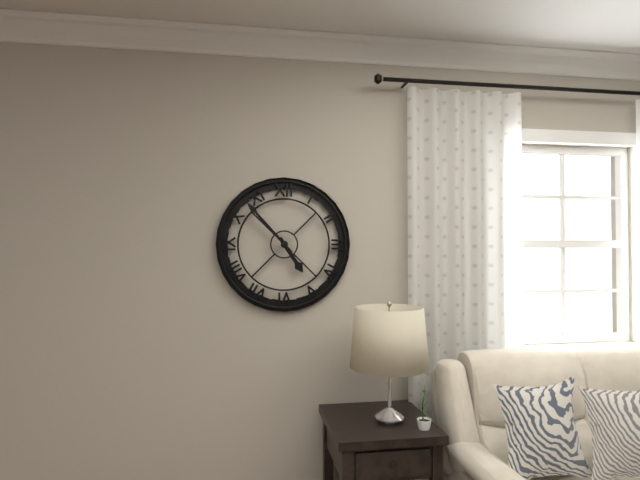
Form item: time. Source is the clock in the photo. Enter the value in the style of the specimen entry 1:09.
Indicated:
4:53
